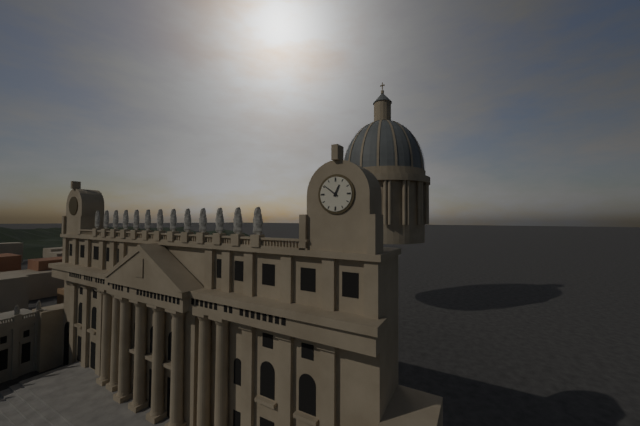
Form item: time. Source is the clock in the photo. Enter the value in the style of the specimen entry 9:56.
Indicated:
12:51
